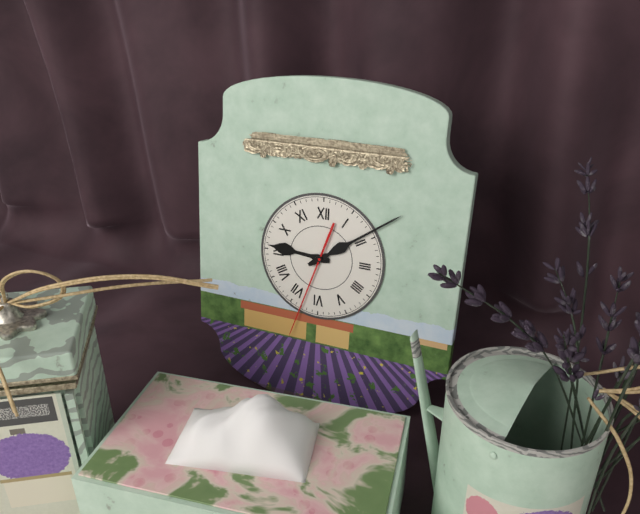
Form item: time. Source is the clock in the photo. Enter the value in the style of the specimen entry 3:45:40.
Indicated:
9:09:33
